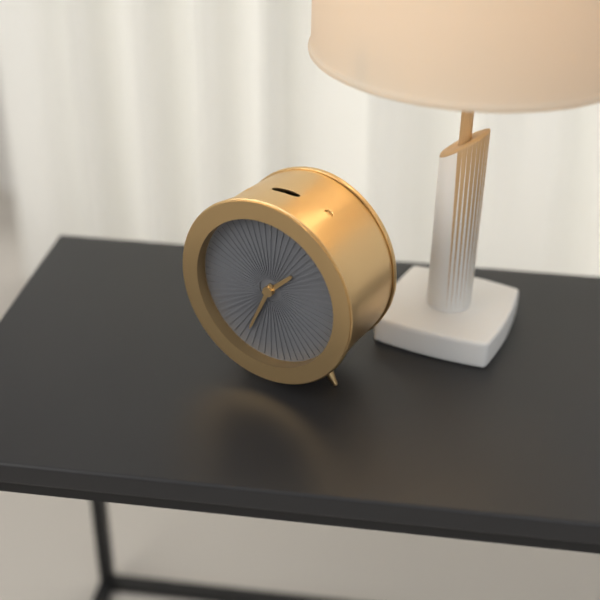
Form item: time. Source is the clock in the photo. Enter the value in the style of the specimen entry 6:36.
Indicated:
1:34
